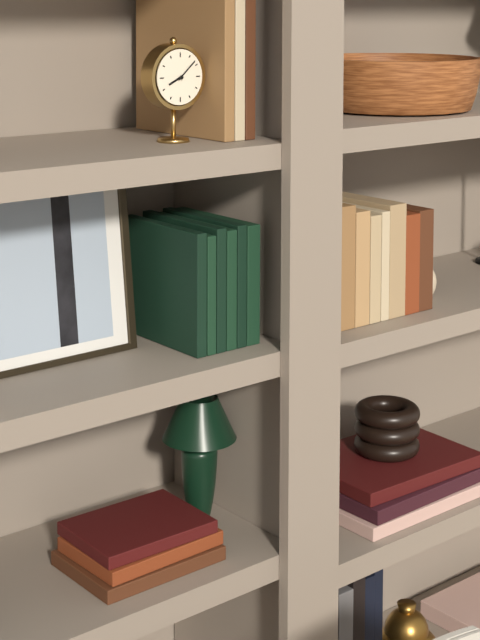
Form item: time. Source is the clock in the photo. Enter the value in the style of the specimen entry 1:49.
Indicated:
8:08
